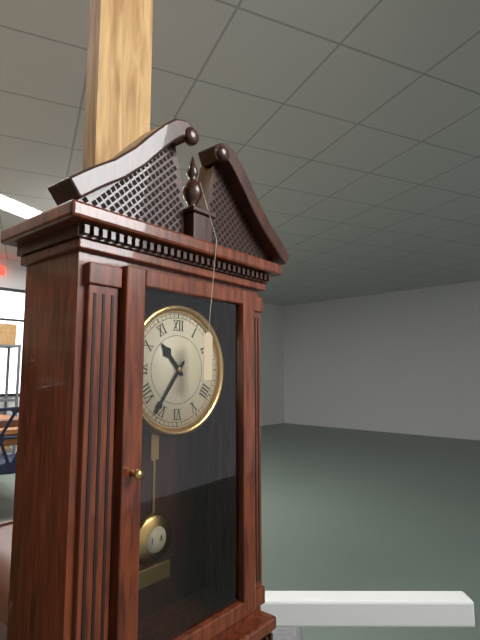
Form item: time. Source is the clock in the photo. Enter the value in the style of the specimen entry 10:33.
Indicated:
10:36
